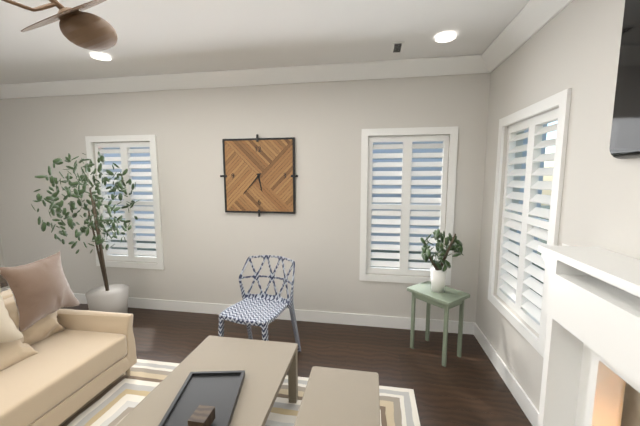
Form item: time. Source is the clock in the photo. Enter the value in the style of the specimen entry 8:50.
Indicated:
5:37
